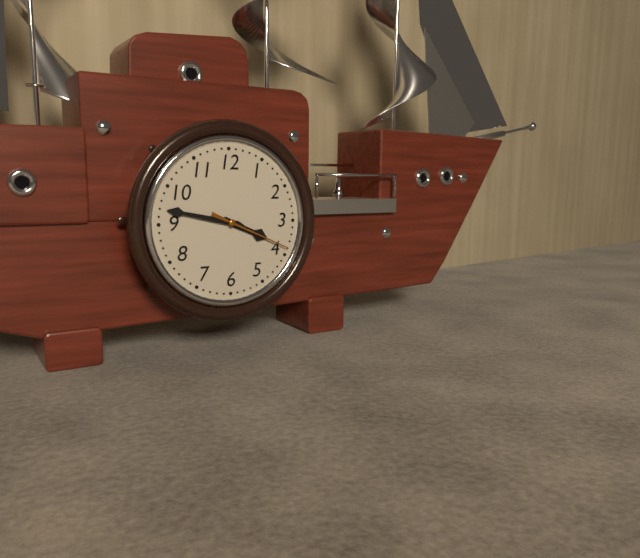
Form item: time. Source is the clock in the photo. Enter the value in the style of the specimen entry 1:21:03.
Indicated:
3:47:19
